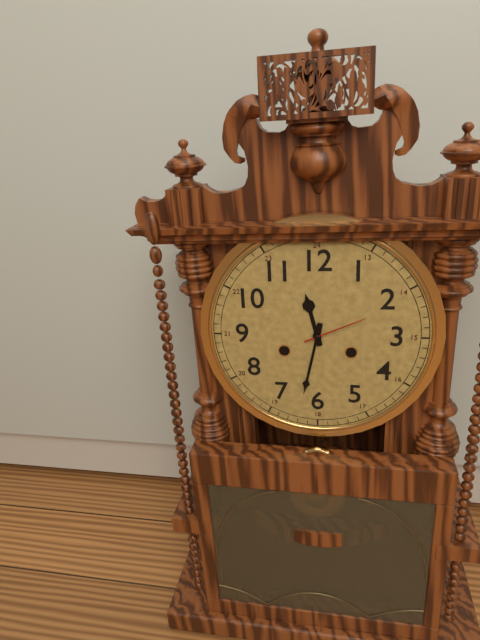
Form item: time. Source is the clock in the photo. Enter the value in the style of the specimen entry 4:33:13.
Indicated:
11:32:11
